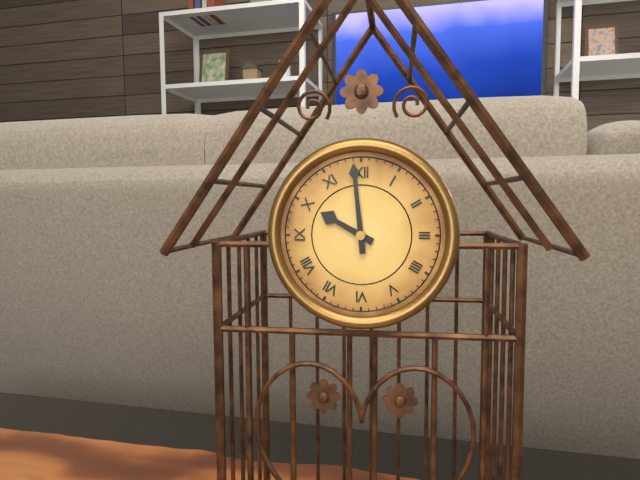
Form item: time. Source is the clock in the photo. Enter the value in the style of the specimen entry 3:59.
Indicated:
9:59
